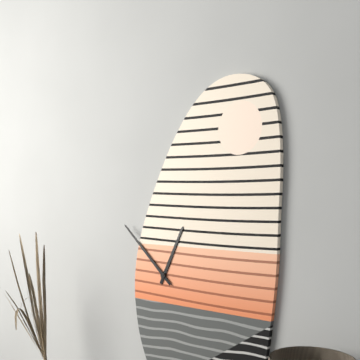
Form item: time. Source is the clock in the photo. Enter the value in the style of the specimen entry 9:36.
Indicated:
12:52
